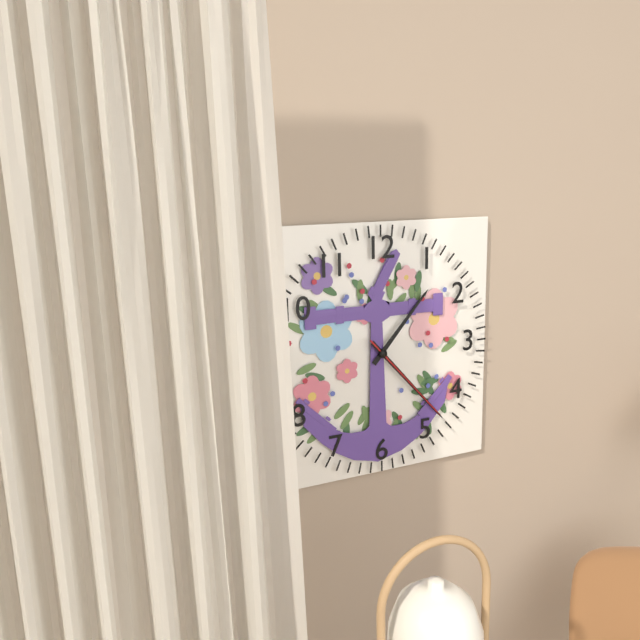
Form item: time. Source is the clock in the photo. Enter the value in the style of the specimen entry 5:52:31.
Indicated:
1:23:23
